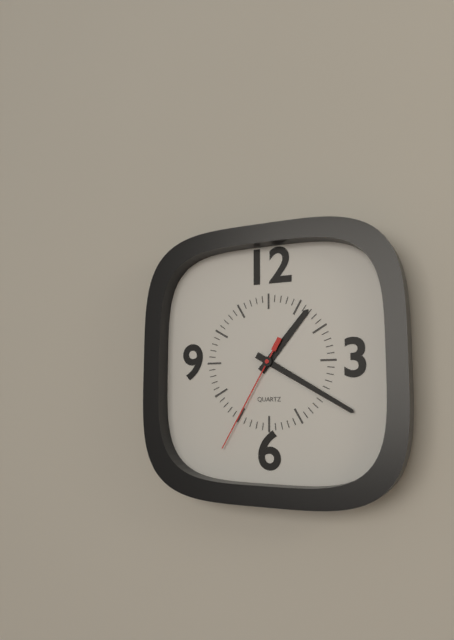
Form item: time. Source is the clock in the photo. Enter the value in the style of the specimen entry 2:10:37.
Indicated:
1:20:35
